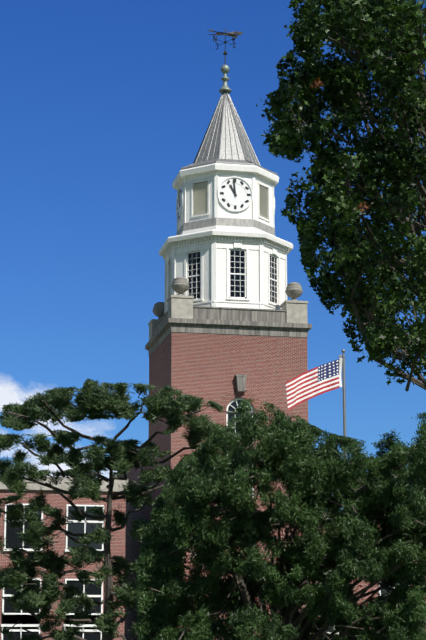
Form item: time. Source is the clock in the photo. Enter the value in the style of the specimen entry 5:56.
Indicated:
10:59
